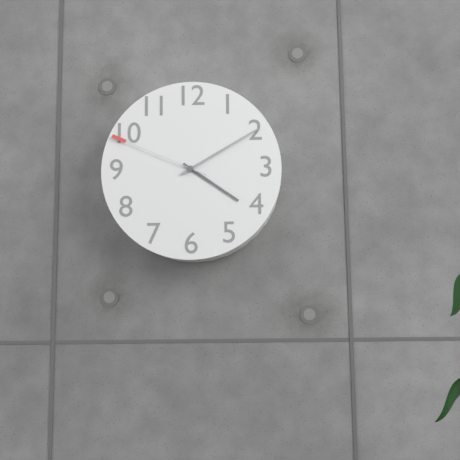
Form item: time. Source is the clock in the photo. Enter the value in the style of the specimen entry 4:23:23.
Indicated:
4:10:49
